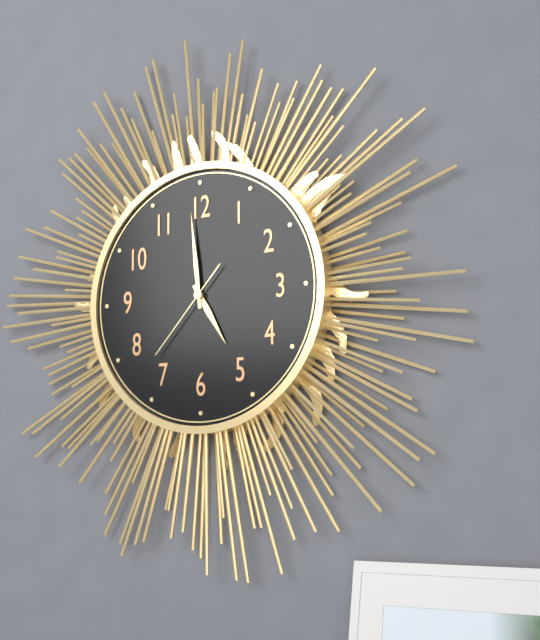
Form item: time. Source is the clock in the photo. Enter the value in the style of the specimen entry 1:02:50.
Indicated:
4:59:37
